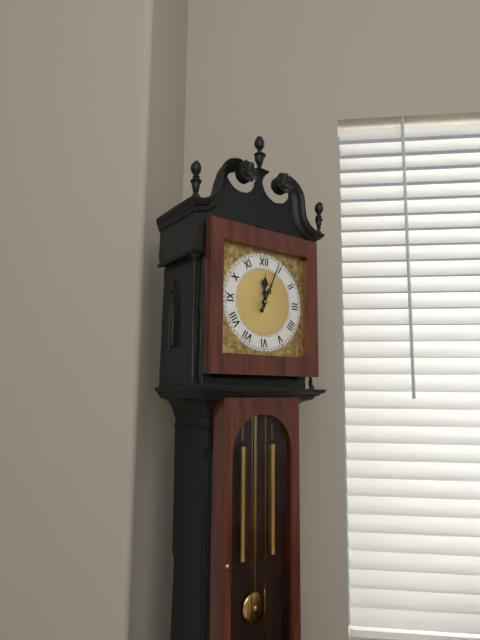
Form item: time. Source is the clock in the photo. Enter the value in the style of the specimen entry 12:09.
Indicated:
12:04
